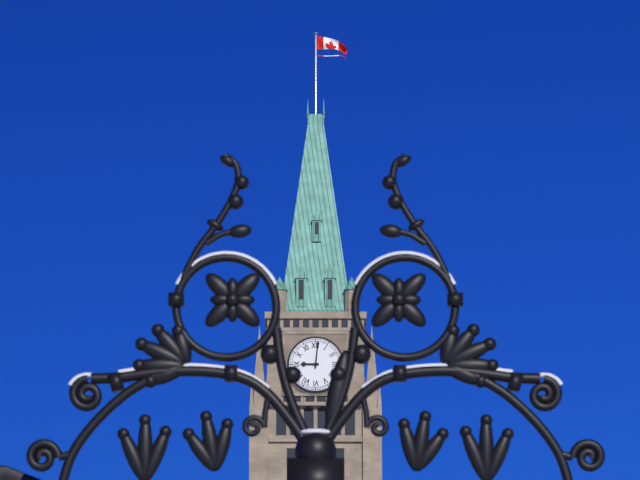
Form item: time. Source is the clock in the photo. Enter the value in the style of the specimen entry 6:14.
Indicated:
9:01
